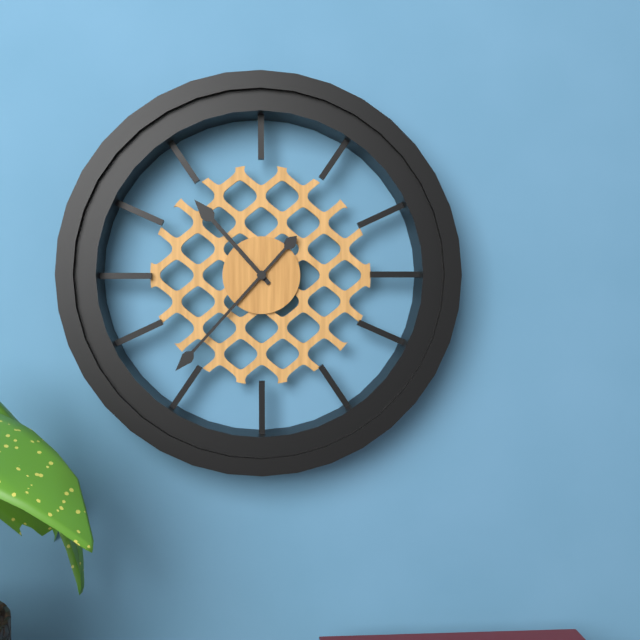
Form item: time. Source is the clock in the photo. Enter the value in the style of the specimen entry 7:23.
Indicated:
10:37
